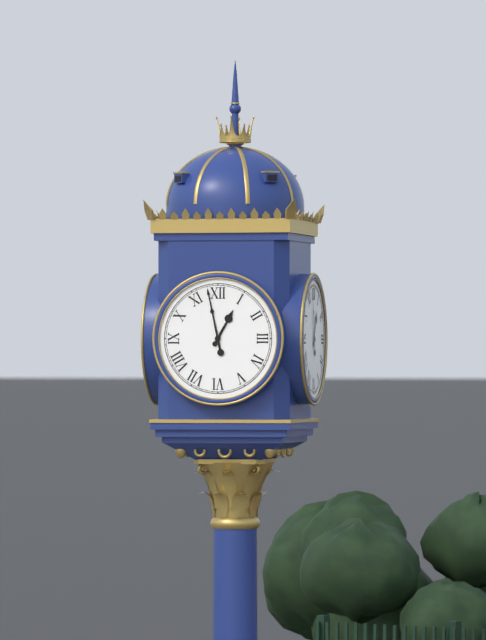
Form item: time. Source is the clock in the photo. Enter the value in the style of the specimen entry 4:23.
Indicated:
12:58
